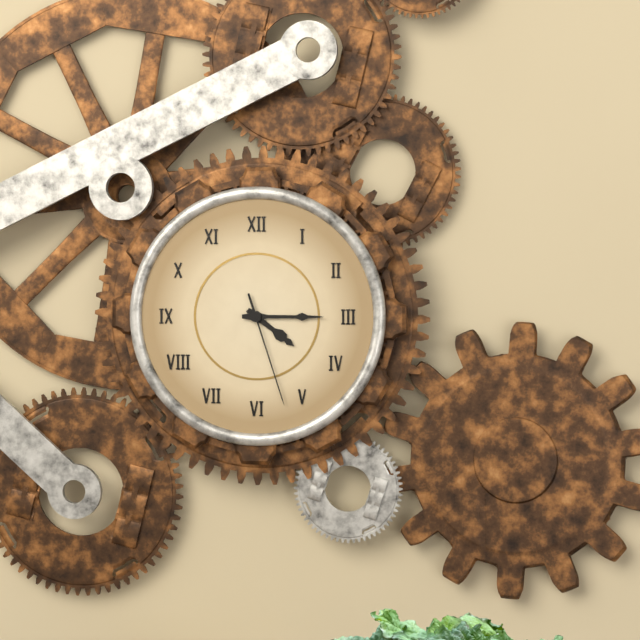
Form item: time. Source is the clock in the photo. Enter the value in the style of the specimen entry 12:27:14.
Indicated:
4:15:27
